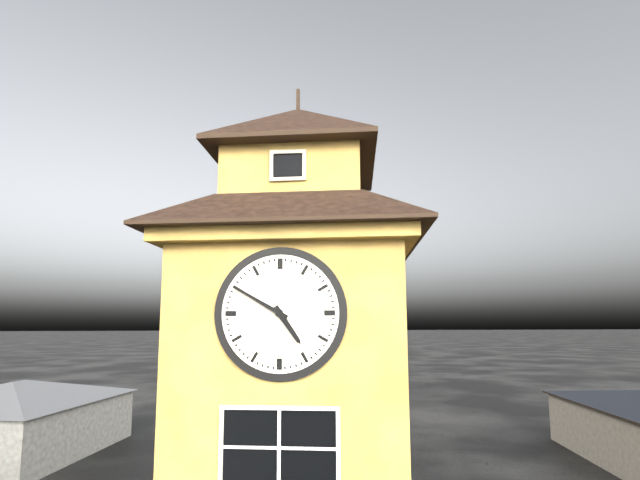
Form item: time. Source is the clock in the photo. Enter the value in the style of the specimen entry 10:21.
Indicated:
4:50
